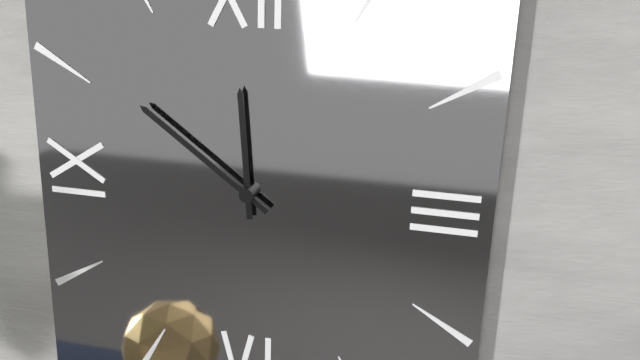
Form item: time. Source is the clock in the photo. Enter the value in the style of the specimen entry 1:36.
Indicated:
11:51
